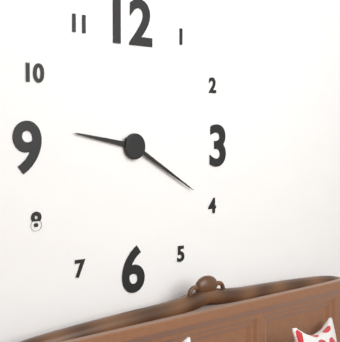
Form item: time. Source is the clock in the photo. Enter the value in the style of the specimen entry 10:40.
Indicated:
9:20
